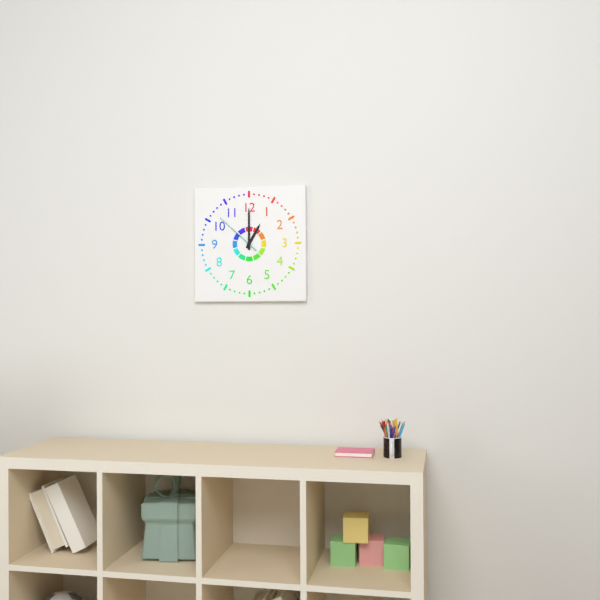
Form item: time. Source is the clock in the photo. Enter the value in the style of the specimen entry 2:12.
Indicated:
1:00
